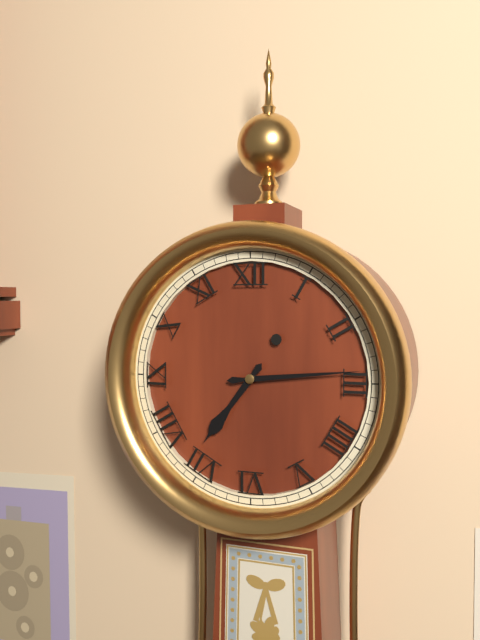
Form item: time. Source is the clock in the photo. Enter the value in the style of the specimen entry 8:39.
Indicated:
7:14
